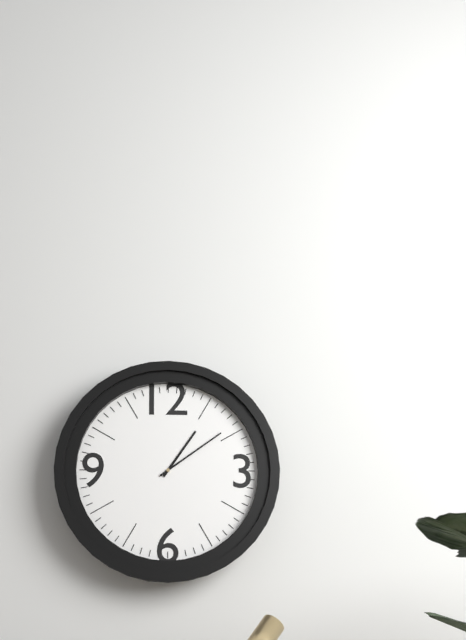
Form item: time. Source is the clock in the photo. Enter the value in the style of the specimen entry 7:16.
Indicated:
1:09
